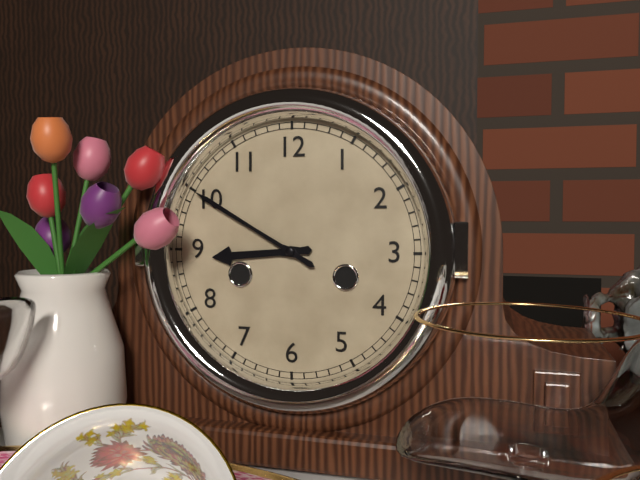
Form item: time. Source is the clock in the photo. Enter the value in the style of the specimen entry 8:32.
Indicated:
8:50
